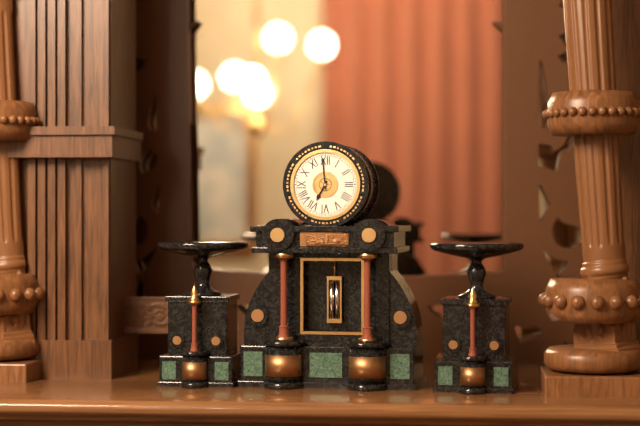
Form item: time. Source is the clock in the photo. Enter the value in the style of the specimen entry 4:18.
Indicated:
6:59
